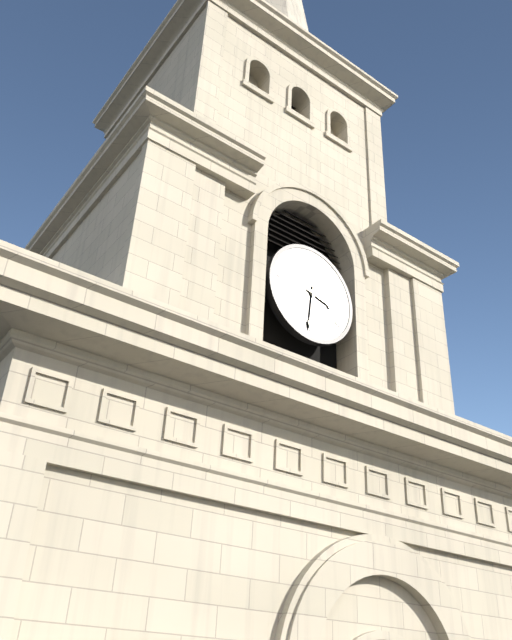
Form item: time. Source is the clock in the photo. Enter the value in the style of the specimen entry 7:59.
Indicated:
3:31
